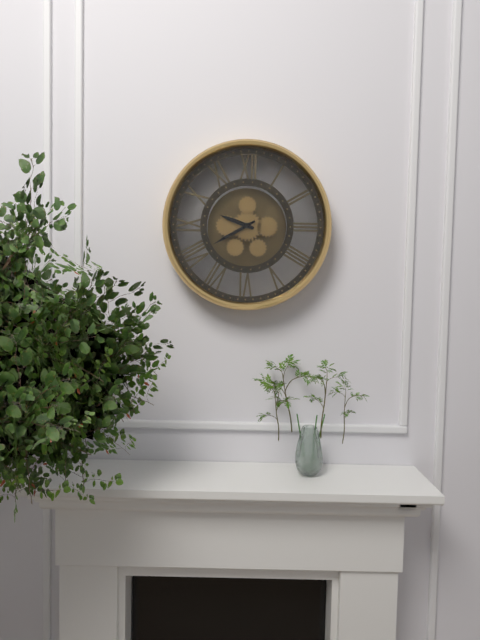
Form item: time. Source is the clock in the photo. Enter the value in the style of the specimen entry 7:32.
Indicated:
9:40
